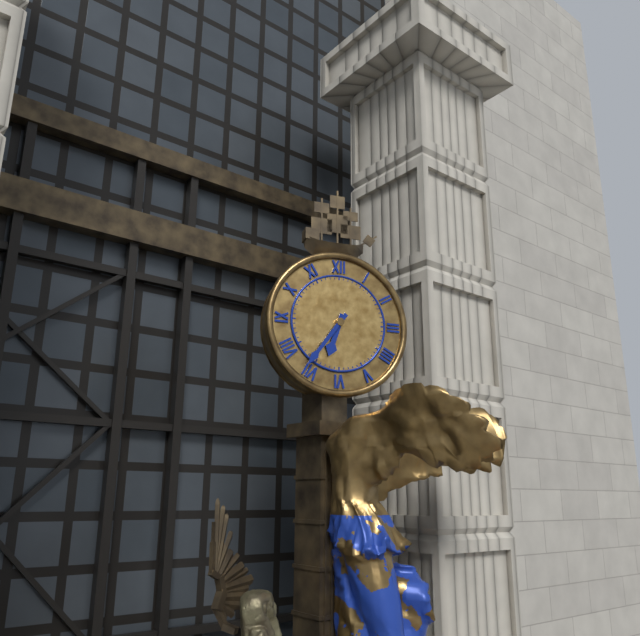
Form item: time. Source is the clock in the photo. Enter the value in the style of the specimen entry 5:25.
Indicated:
6:36
